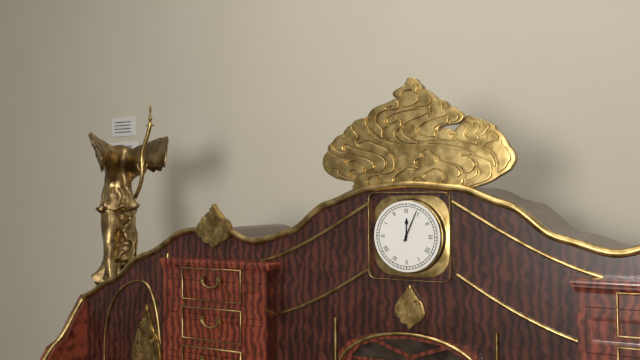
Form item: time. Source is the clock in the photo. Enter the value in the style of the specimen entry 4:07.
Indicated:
12:04
